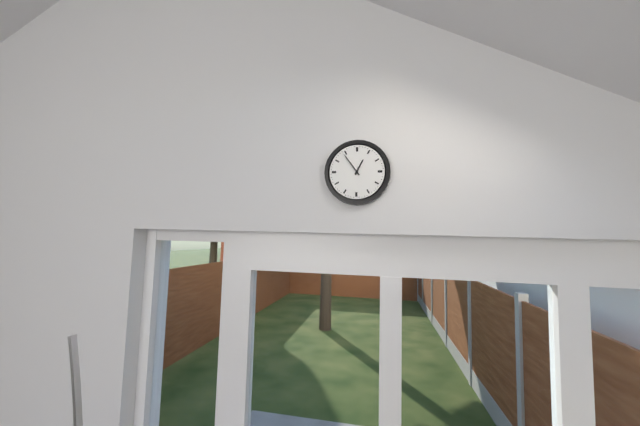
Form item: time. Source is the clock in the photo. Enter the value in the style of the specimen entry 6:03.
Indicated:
12:54
